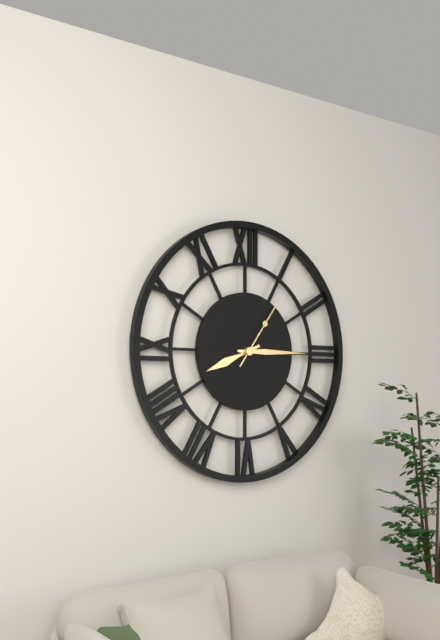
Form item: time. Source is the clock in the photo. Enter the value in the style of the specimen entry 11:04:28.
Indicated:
8:15:06
